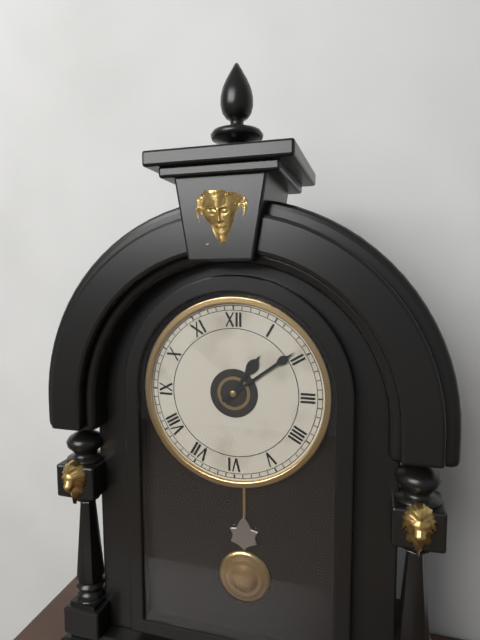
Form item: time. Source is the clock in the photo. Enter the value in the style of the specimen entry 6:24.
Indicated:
1:09
